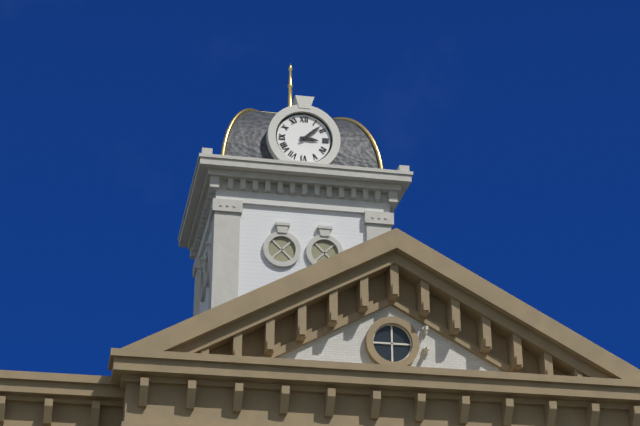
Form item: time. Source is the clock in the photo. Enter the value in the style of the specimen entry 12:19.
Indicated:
3:08
